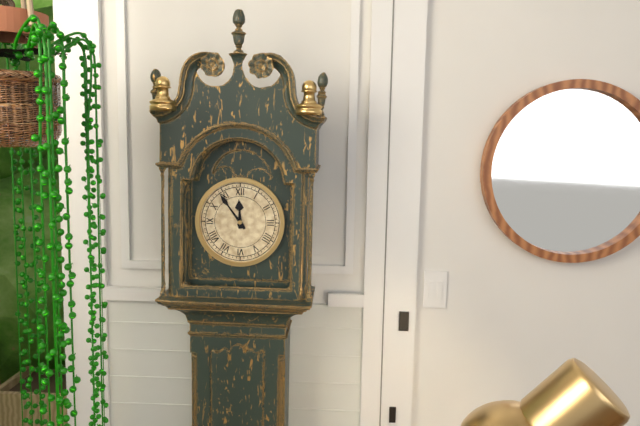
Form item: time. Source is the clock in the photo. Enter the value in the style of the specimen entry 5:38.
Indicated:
11:54
